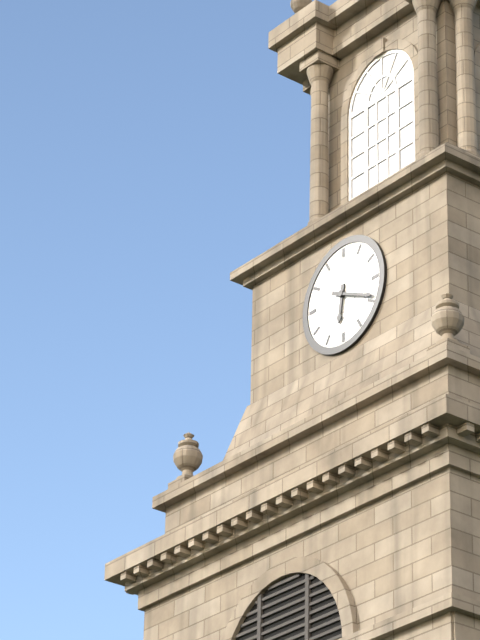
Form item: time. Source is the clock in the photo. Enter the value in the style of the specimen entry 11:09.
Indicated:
6:19
